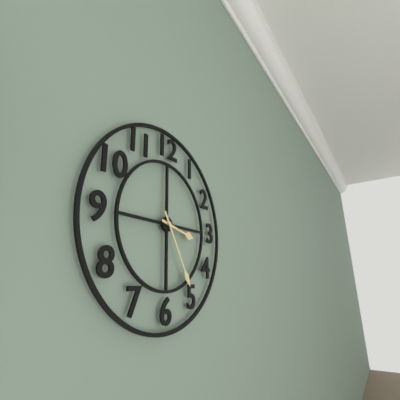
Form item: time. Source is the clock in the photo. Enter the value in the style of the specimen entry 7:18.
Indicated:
3:25
